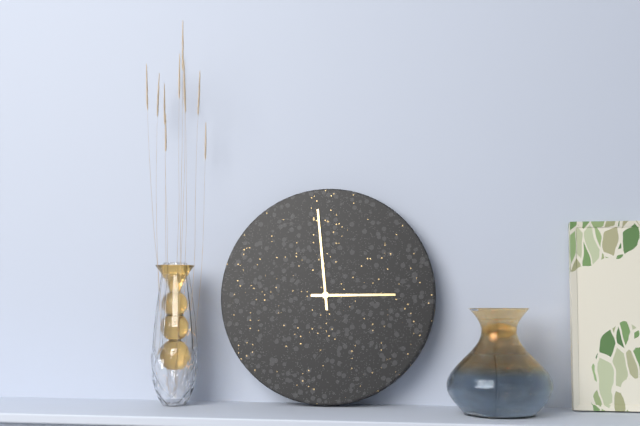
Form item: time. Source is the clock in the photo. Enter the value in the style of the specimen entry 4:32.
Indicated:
2:59
